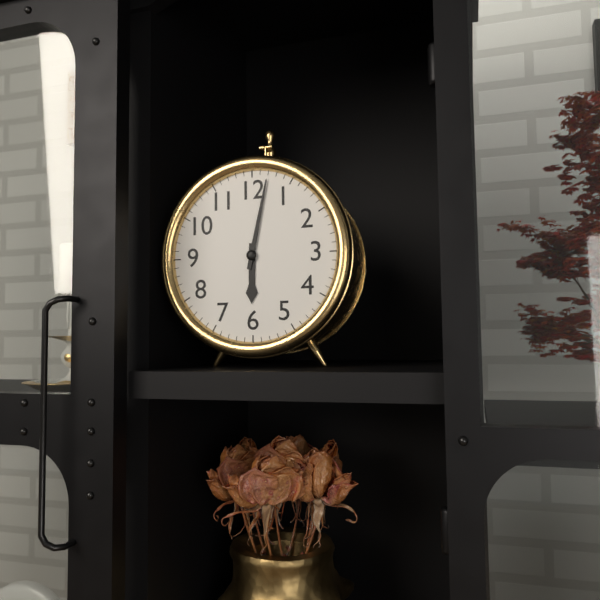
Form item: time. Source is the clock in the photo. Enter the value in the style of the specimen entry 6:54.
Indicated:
6:02
